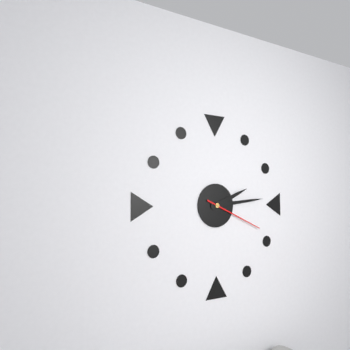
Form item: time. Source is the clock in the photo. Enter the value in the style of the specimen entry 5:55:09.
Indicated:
2:14:19
